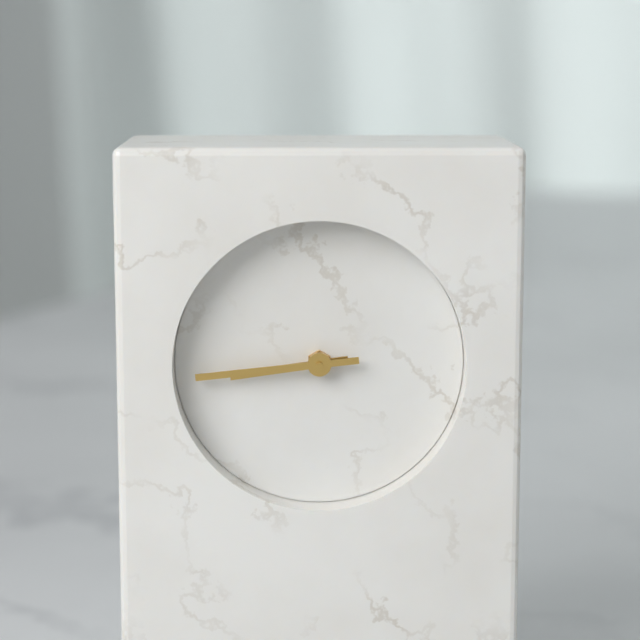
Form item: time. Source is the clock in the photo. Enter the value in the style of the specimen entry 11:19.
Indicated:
8:44
